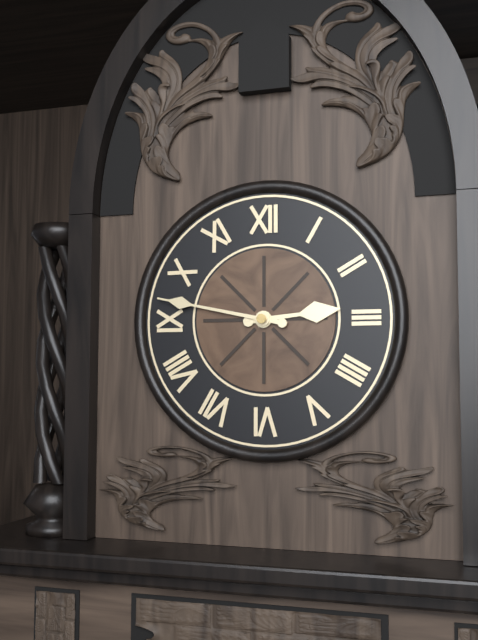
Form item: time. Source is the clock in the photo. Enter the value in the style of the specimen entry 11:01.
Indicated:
2:47
